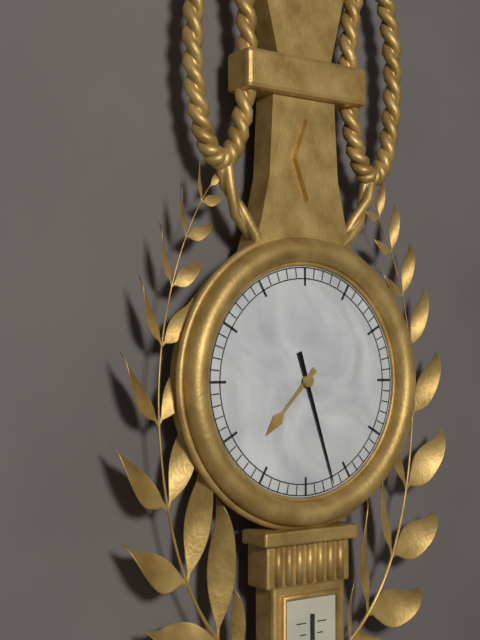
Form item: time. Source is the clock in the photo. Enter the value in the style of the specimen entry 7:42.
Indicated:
7:27
